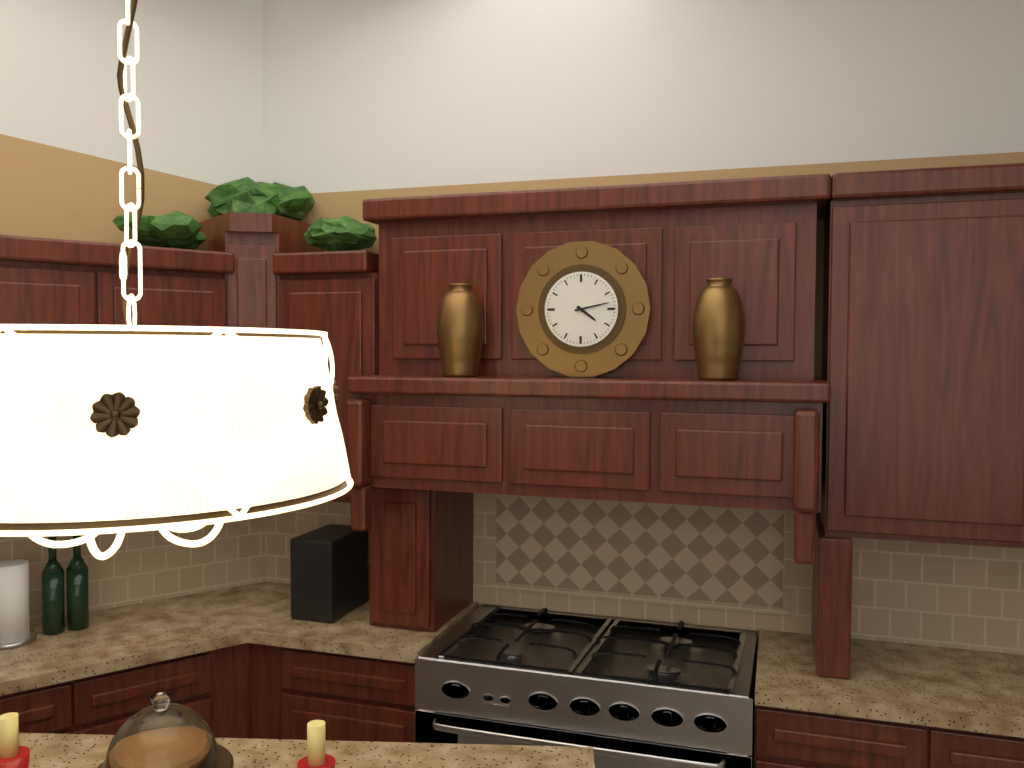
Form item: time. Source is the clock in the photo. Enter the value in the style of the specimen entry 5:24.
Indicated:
4:13
